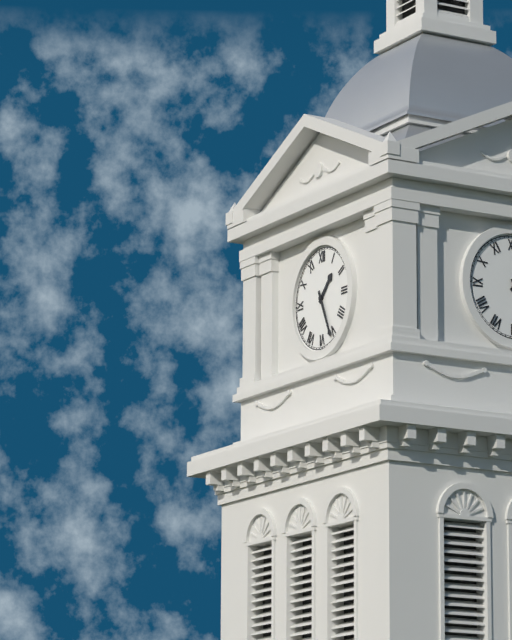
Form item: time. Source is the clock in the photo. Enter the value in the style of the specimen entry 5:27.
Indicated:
1:26
